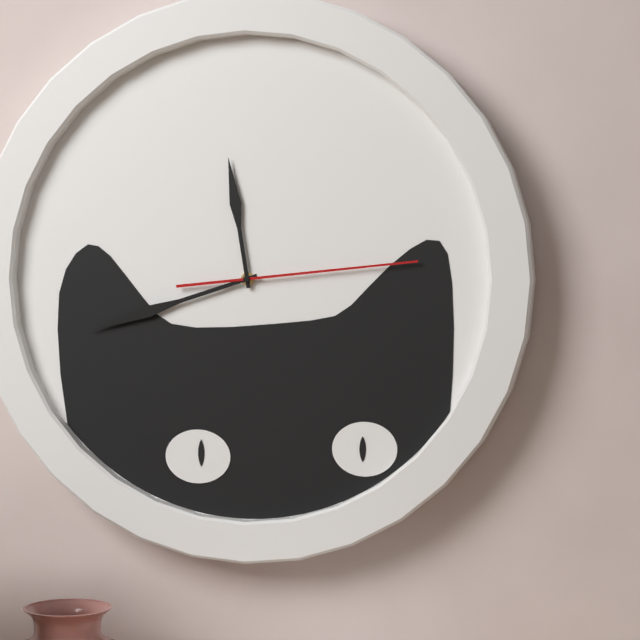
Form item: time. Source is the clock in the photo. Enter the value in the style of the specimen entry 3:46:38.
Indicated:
11:42:14
